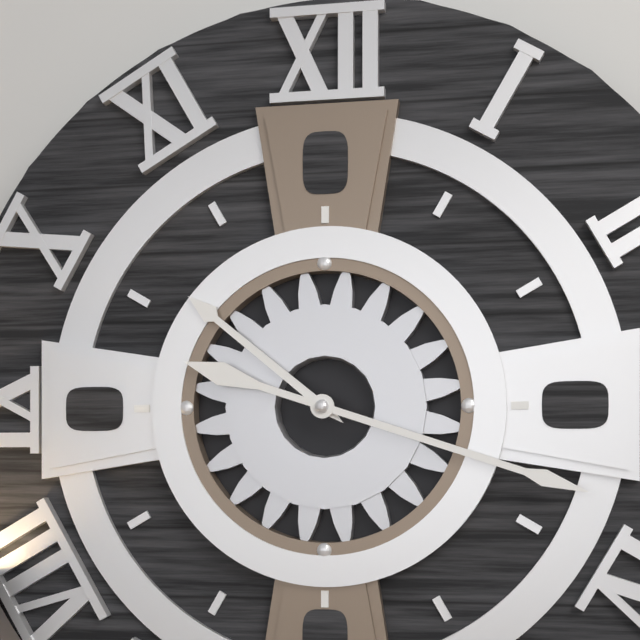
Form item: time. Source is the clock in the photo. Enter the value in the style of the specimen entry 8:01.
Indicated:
10:18
